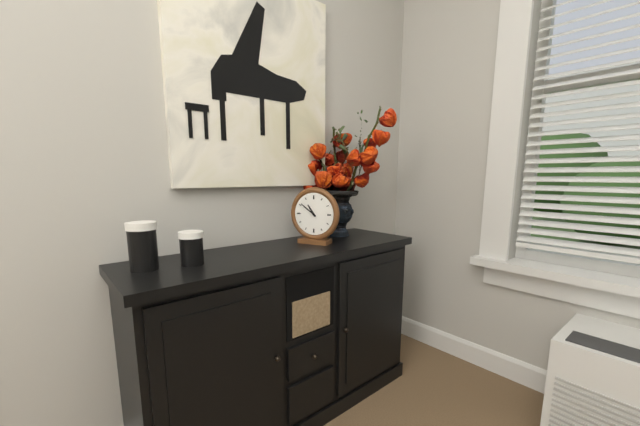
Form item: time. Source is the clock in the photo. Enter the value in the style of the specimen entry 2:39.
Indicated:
10:51
